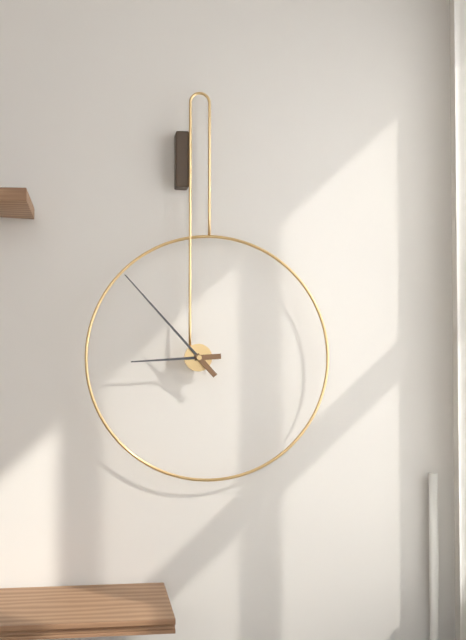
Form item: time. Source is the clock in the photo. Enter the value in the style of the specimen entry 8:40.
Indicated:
8:53
